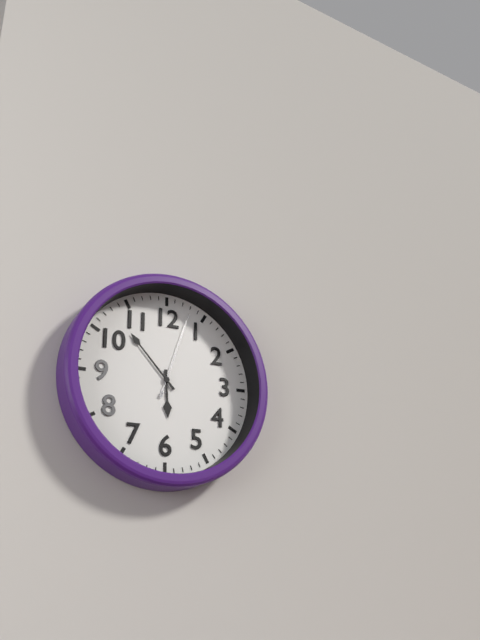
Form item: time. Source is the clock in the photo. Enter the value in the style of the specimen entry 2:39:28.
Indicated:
5:53:03
